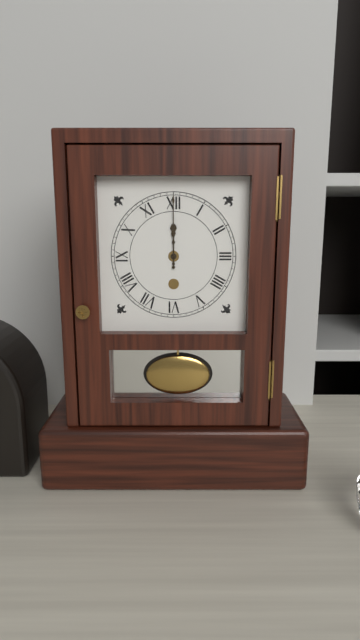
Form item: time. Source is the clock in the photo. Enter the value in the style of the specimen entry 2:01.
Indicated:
12:00
